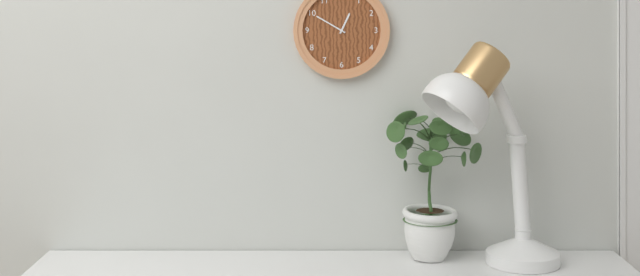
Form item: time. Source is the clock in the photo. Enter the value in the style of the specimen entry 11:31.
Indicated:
12:50
